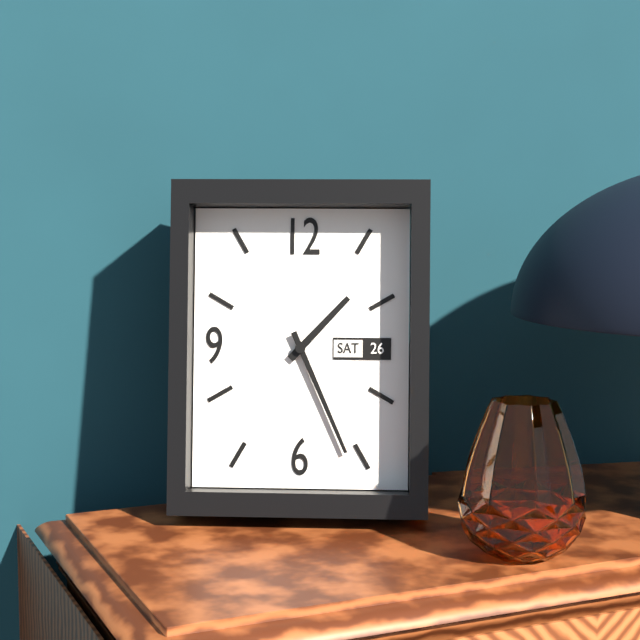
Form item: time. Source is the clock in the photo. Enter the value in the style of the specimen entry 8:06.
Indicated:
1:26
